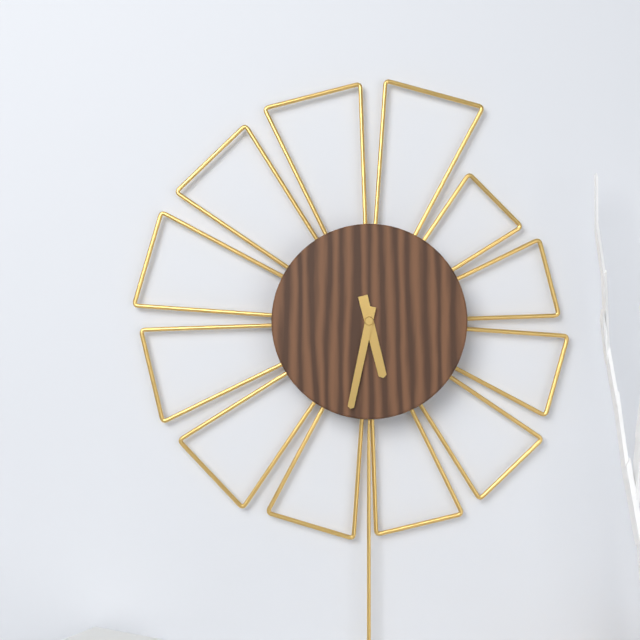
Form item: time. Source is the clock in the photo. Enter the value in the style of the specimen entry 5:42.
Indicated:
5:32
